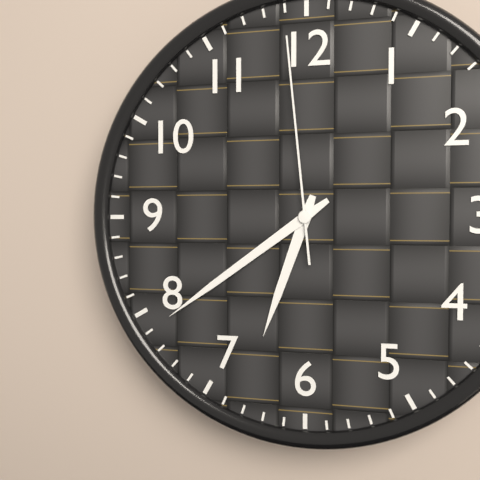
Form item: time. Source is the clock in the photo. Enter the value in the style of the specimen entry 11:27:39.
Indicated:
6:39:59
